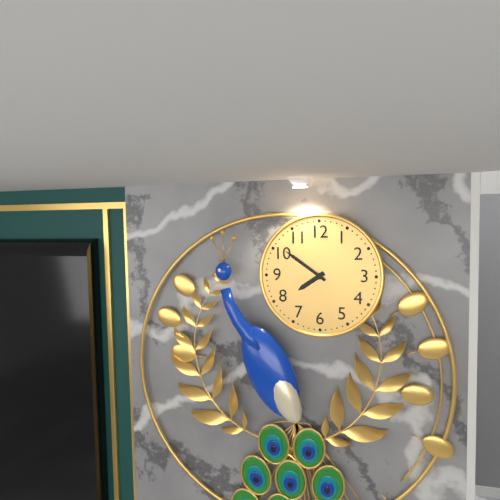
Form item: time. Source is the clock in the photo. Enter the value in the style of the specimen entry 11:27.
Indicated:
7:51
